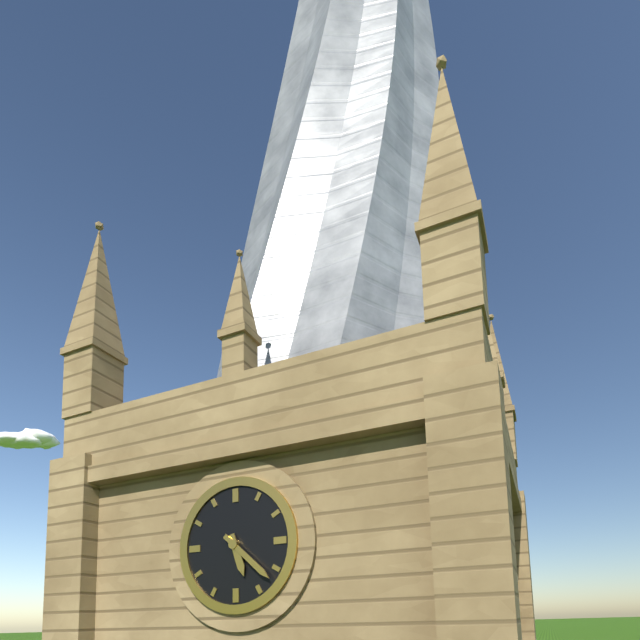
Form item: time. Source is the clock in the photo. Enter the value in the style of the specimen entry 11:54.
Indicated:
5:22
